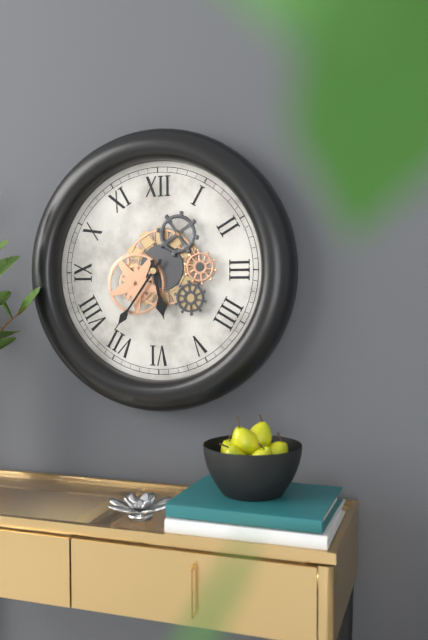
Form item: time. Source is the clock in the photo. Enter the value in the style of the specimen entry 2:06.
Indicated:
5:36
